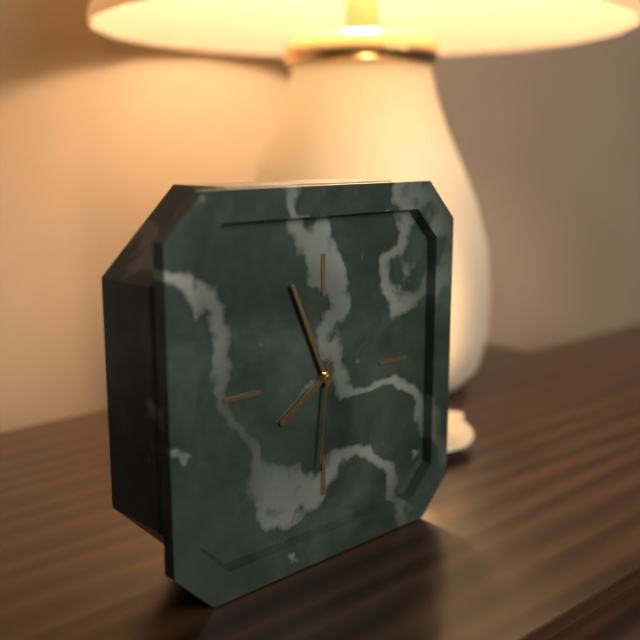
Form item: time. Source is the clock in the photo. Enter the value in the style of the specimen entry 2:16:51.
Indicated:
7:56:31
